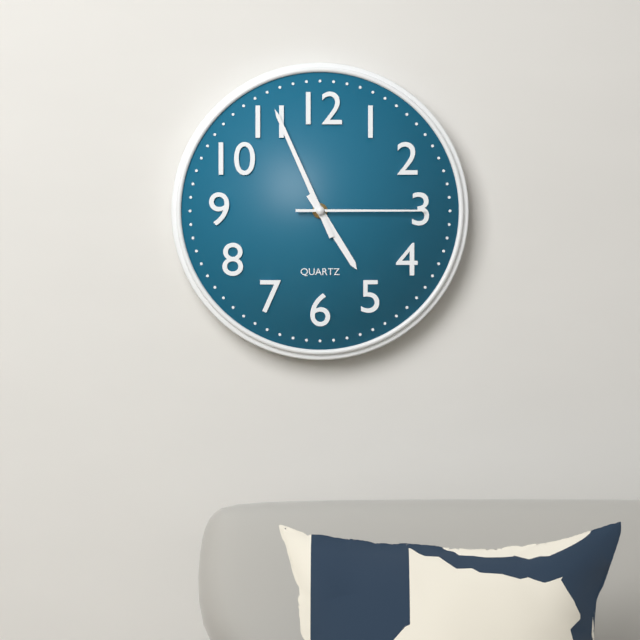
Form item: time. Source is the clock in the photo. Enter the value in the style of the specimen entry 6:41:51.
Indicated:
4:56:15
